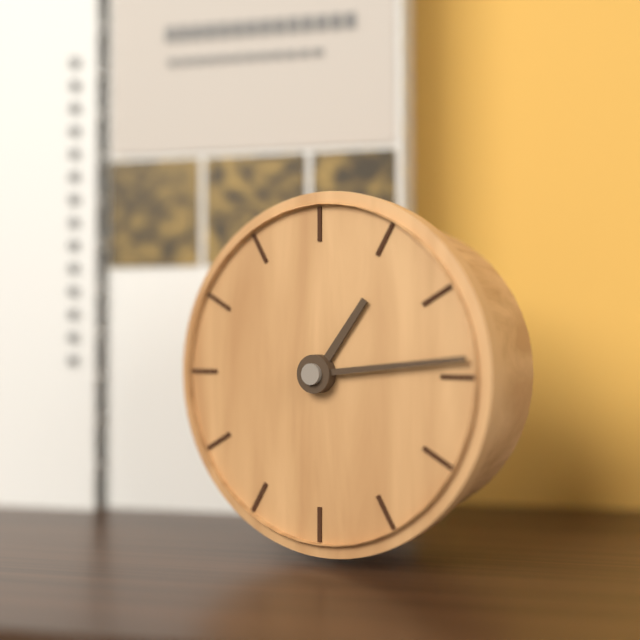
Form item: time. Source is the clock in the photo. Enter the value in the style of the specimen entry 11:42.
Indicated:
1:14
